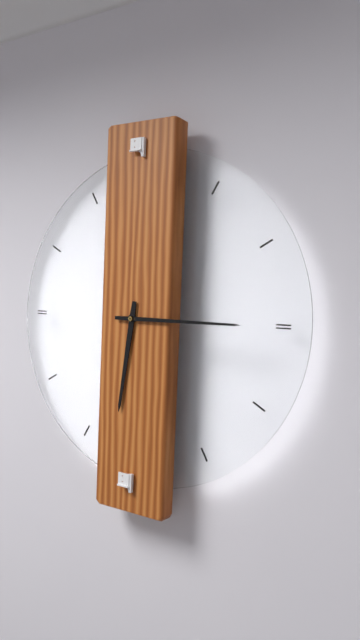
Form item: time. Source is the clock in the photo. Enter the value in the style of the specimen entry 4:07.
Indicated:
6:15
